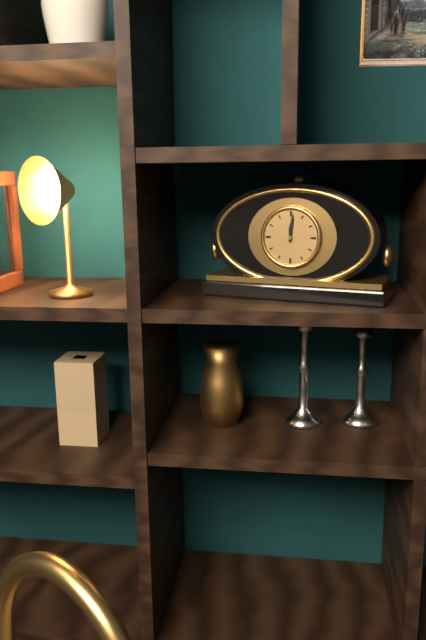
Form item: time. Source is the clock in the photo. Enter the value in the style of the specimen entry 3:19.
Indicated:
12:01
